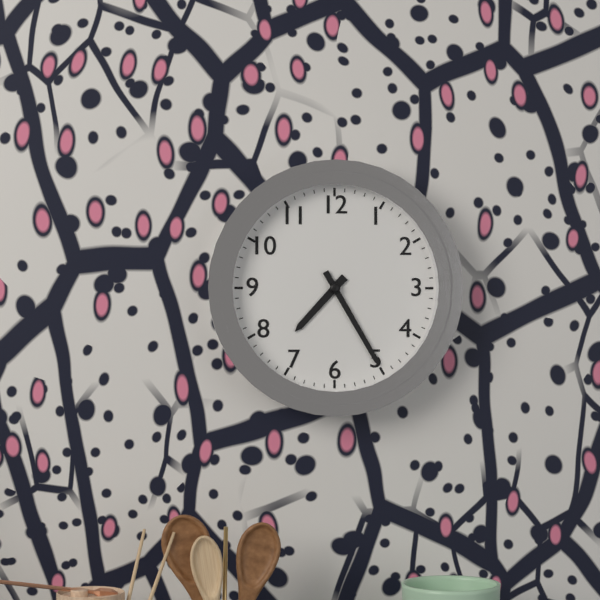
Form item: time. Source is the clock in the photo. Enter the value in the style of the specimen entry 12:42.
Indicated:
7:25
